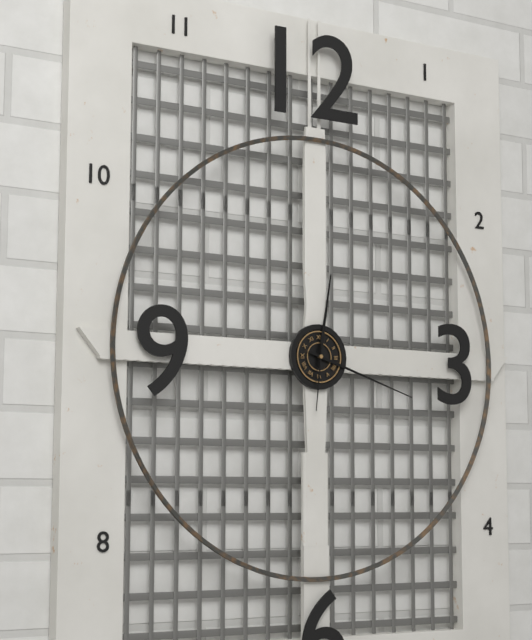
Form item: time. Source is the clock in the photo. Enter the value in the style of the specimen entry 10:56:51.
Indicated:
12:18:31
